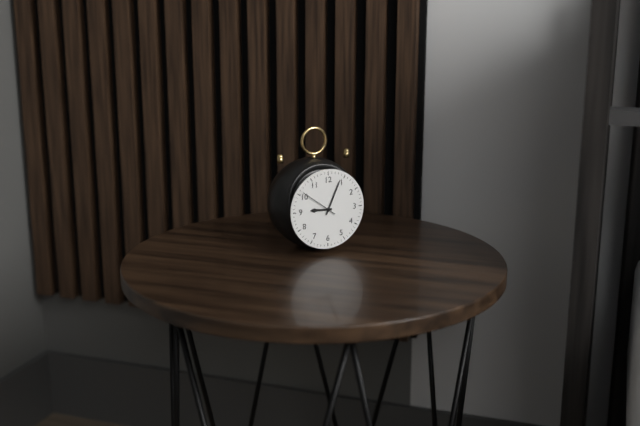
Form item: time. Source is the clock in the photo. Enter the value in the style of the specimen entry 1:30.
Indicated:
9:04
